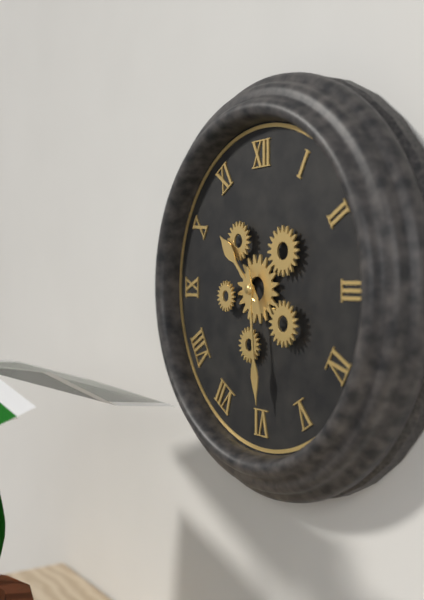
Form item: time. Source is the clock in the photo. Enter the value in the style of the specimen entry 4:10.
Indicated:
10:29
